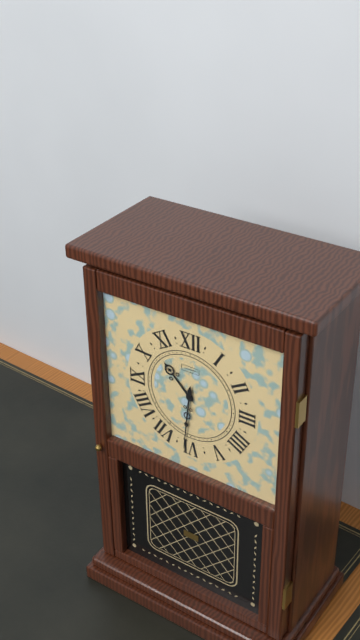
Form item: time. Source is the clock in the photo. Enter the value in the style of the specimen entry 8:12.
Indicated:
10:31
